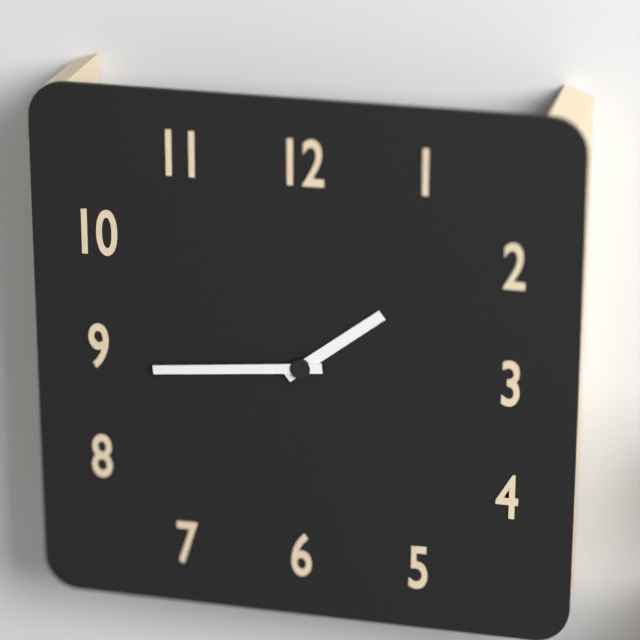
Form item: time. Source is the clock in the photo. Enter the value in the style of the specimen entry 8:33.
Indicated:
1:44
